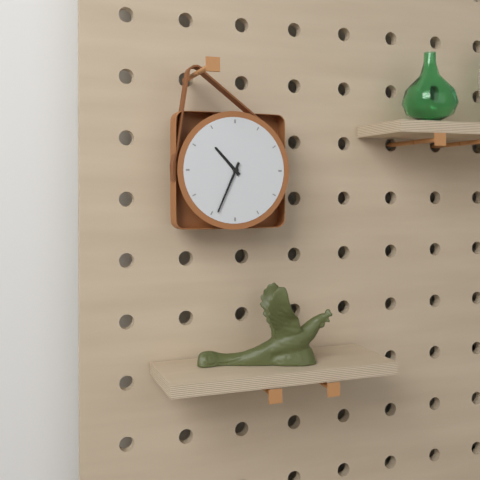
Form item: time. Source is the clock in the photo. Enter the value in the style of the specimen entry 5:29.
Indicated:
10:34
